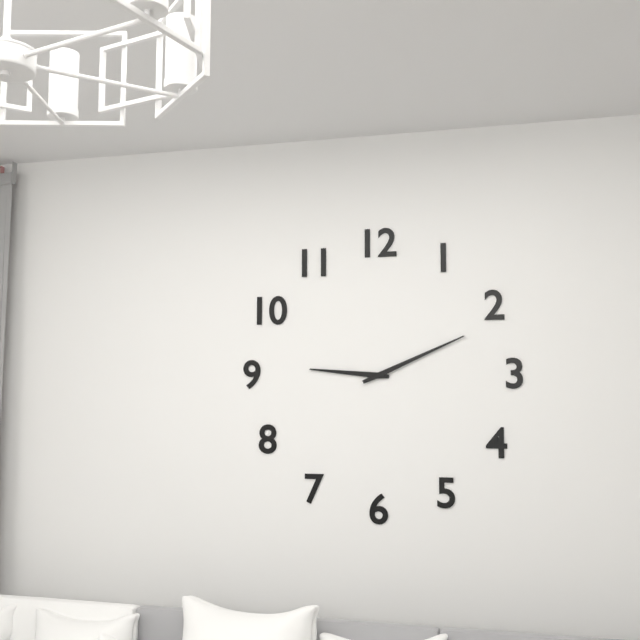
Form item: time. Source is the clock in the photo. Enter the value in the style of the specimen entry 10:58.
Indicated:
9:11
